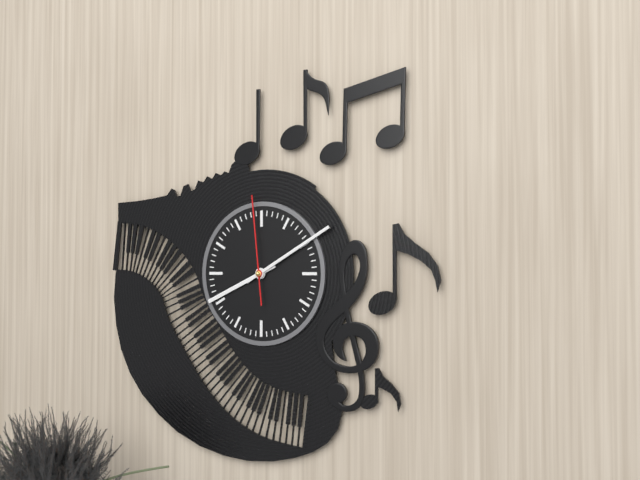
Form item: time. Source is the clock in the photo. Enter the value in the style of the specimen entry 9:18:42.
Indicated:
8:10:59
